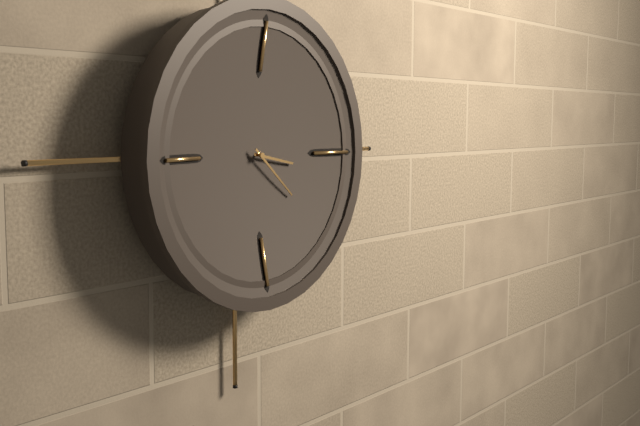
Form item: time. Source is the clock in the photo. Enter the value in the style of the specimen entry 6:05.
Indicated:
3:22
